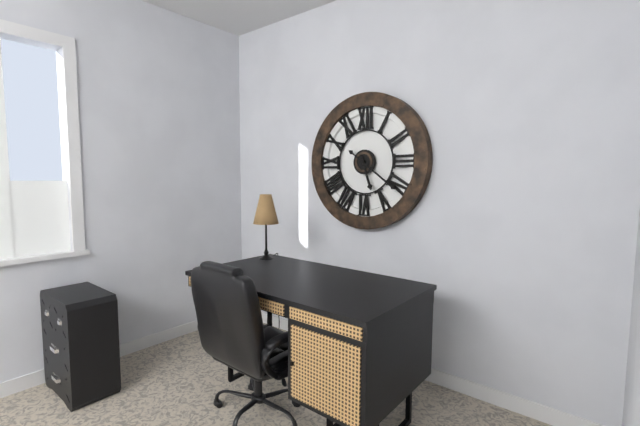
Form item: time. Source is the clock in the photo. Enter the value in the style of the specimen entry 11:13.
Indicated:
5:21
